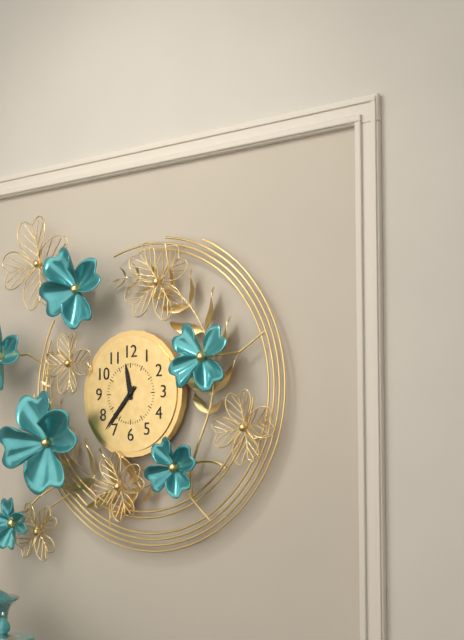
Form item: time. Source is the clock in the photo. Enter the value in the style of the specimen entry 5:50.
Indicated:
11:37
